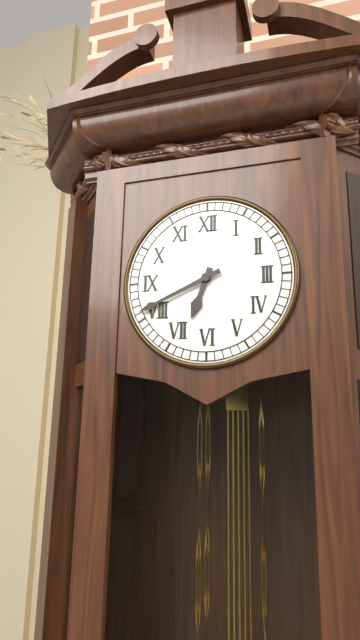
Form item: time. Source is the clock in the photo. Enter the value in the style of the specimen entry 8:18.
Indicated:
6:41
